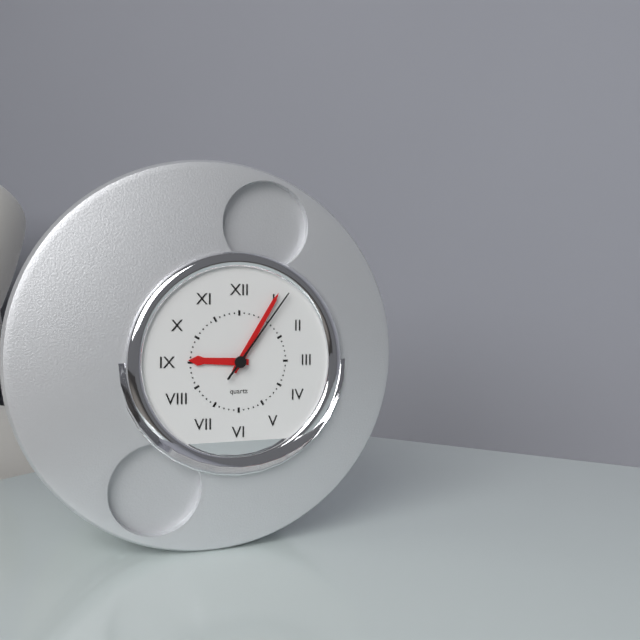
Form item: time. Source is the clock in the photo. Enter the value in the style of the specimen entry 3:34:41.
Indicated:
9:05:06
